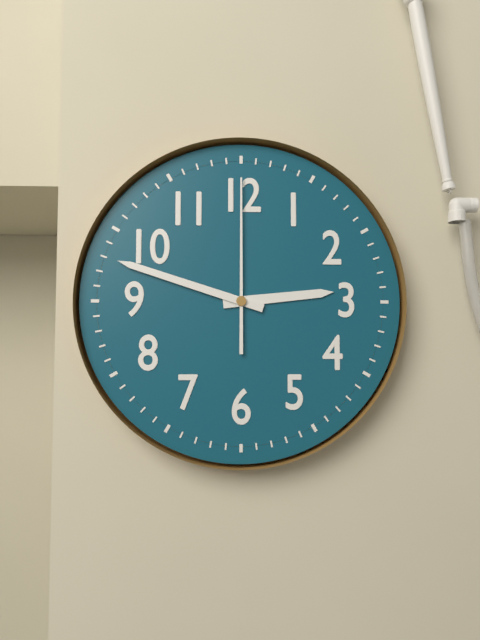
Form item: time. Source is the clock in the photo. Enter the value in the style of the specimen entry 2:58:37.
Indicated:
2:48:00
